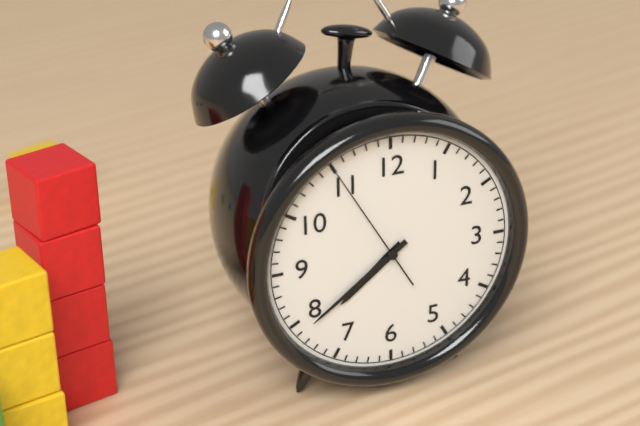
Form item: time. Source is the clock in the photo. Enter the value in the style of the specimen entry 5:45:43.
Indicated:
7:39:55
